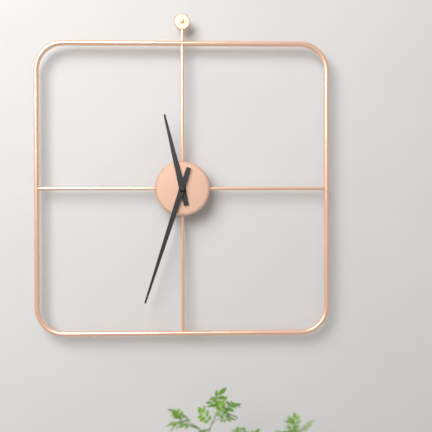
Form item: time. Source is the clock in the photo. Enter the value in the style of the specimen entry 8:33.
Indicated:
11:33
